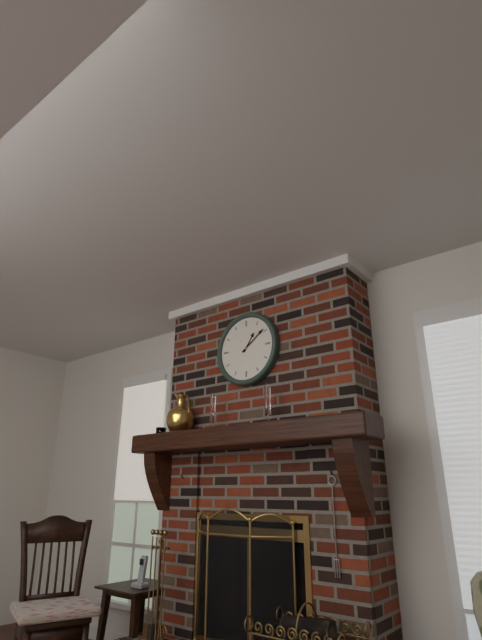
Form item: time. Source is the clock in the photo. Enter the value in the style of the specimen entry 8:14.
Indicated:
1:09
